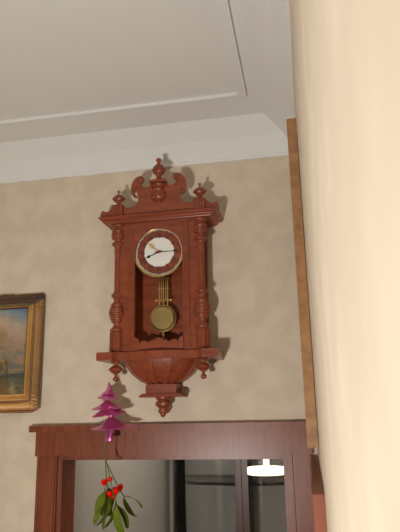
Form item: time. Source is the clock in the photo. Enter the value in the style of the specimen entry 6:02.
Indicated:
8:15
